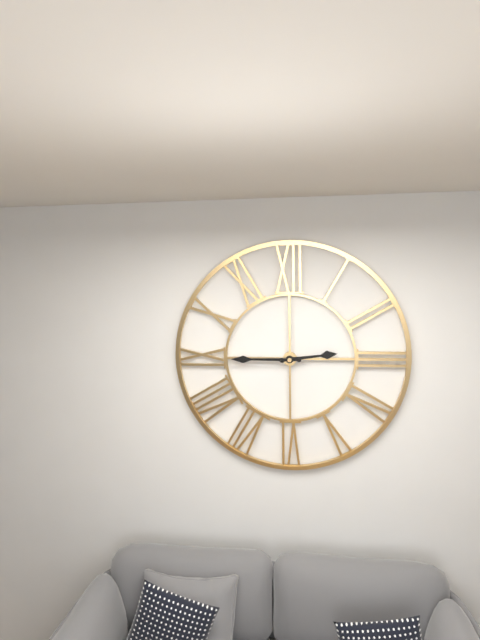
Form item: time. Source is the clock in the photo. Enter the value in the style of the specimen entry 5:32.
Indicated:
2:45
